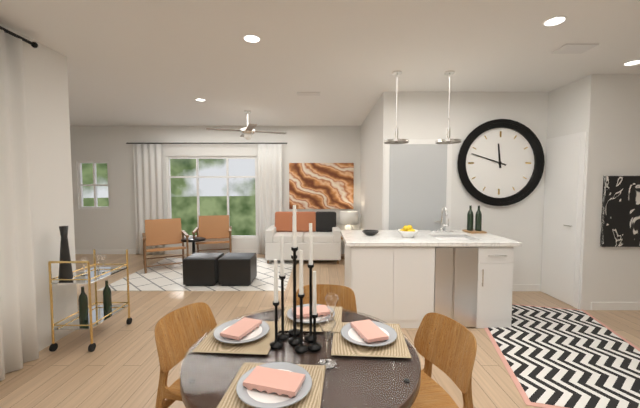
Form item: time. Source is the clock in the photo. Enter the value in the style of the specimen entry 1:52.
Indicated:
11:48
